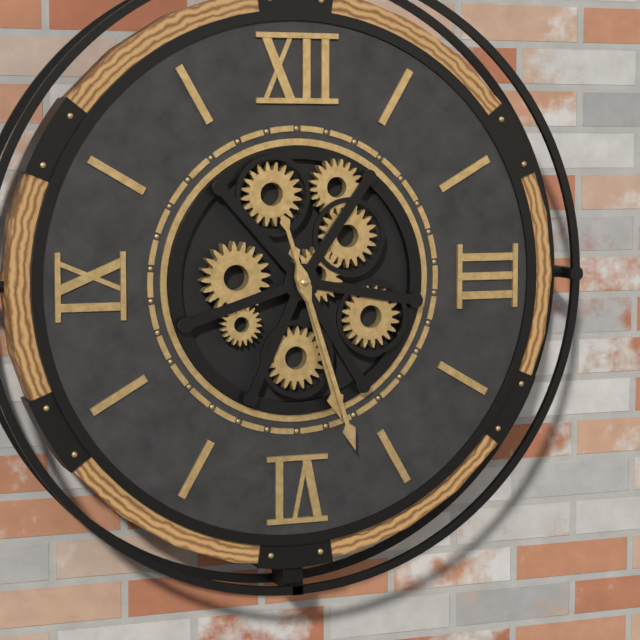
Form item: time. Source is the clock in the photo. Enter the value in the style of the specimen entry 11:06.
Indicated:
5:27
